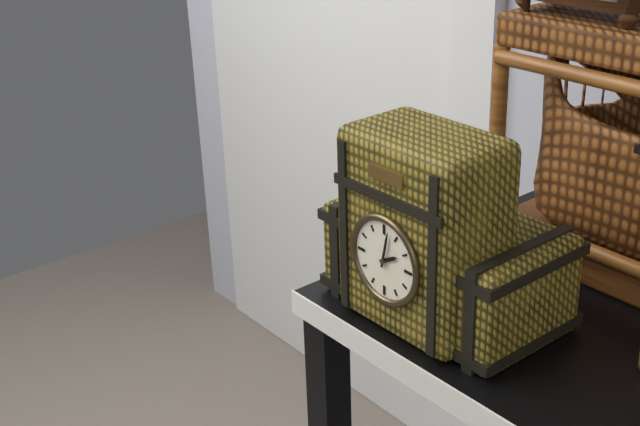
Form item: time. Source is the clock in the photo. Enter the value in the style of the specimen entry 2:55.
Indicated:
2:02
